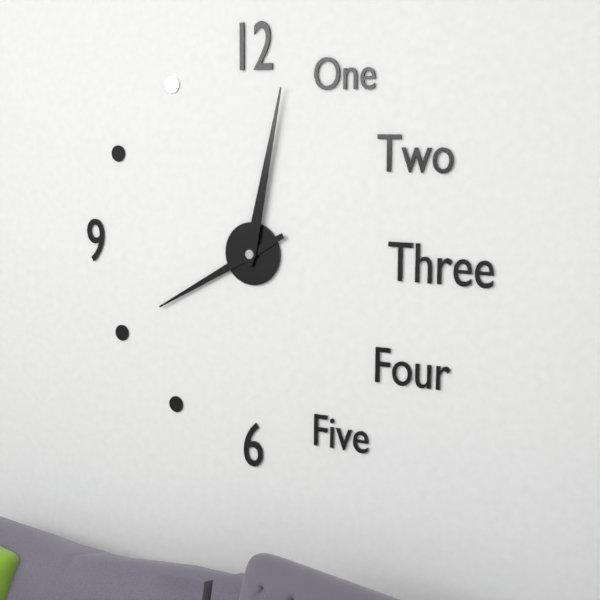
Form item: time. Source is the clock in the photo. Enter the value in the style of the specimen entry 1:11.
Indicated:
8:02
